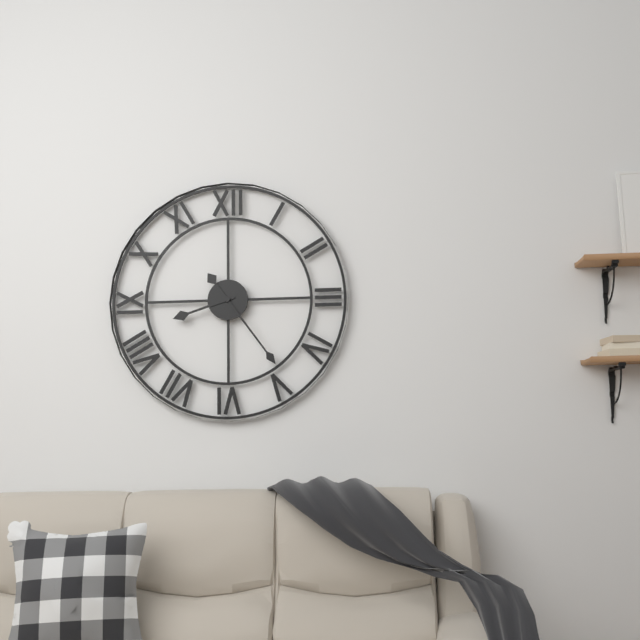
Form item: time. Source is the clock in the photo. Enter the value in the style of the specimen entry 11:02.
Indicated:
8:24
